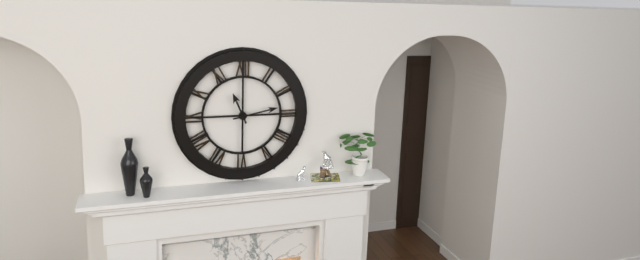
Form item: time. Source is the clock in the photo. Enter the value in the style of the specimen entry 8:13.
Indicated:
11:13
